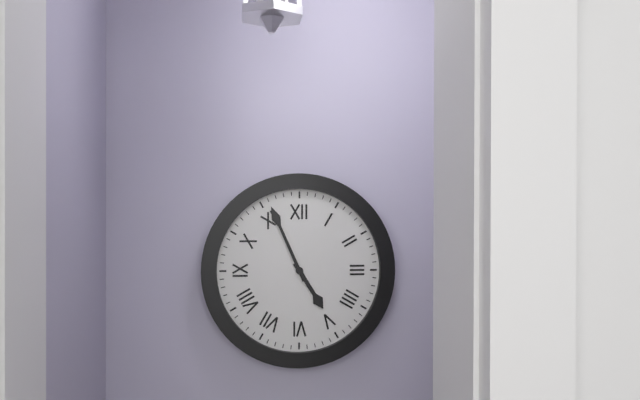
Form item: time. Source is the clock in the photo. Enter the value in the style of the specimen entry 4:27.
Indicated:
4:56
